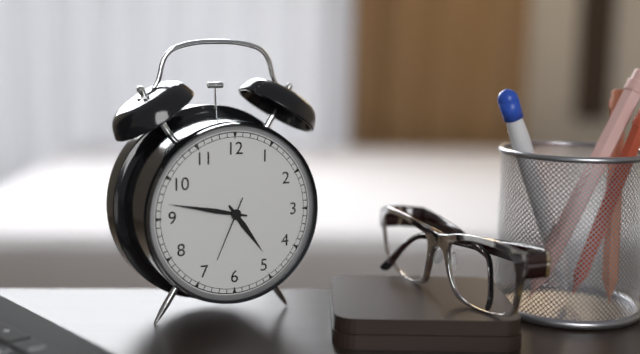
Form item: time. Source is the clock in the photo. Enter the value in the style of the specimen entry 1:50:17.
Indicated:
4:47:34
